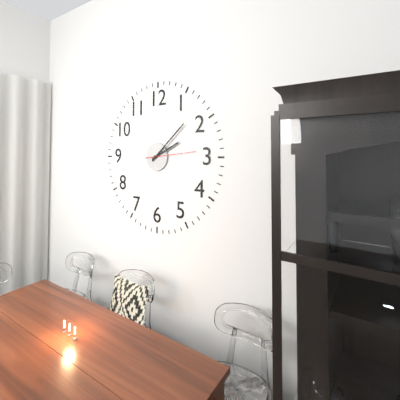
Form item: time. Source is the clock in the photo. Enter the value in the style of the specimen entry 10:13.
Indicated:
2:08
